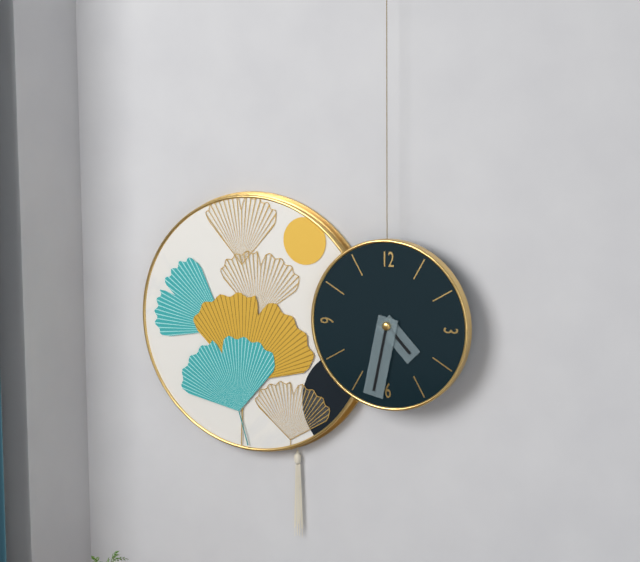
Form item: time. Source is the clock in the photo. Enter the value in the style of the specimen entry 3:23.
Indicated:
4:32
